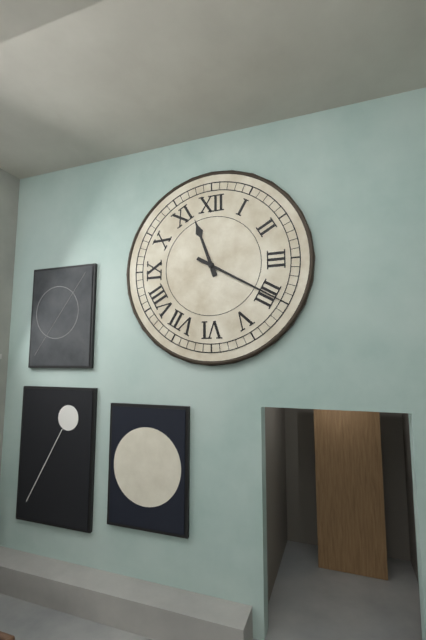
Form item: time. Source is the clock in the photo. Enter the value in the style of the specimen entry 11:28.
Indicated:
11:20
